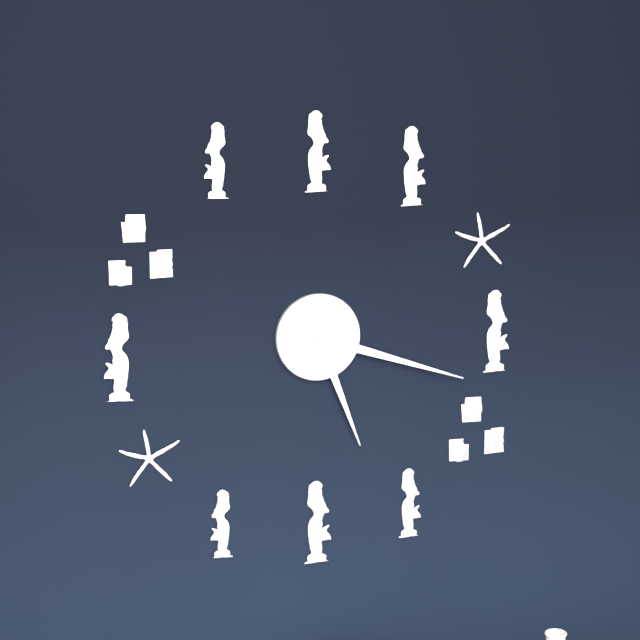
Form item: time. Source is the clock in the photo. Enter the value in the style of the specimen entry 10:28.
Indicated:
5:18
